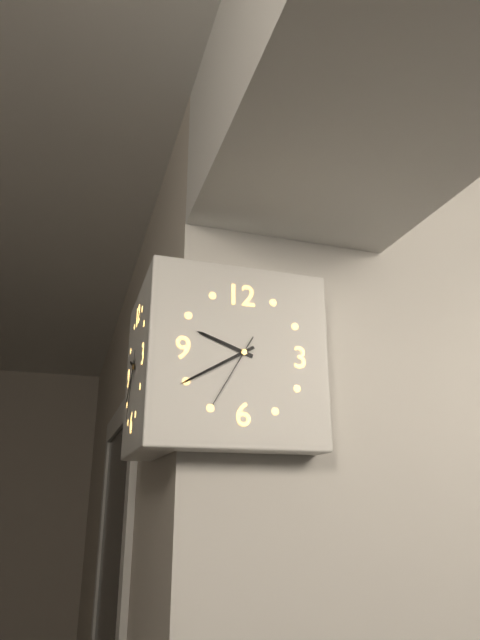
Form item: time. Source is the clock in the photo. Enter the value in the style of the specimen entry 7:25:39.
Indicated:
9:40:35
